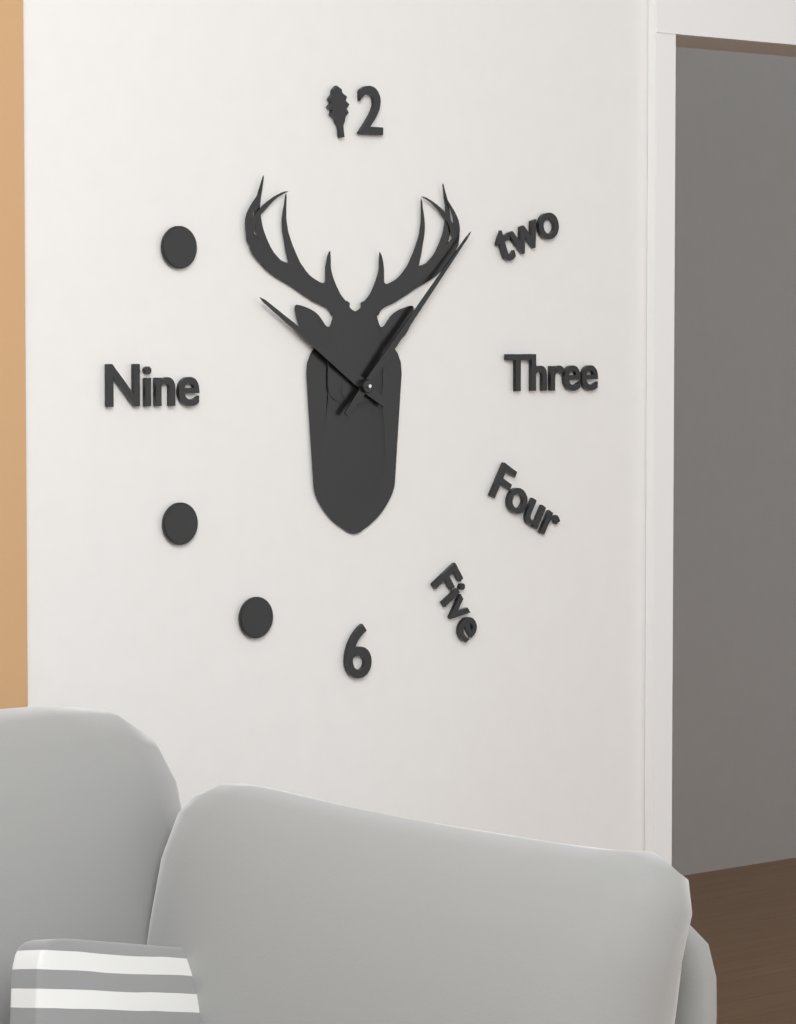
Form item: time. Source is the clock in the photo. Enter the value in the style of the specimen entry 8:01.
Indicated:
10:07
